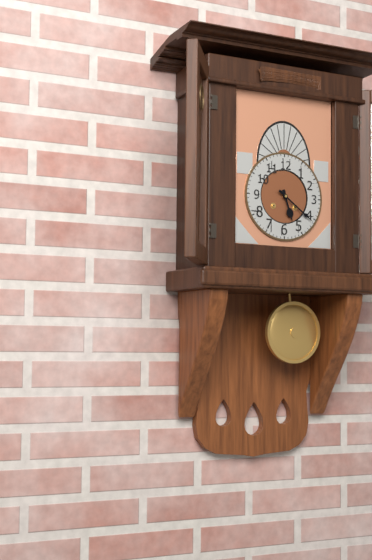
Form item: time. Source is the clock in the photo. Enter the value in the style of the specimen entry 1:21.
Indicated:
5:21
